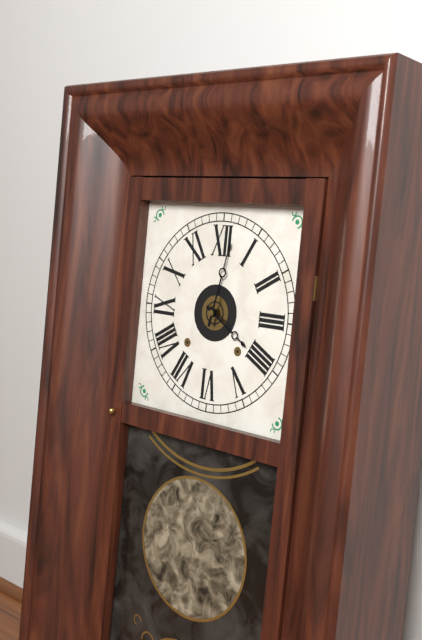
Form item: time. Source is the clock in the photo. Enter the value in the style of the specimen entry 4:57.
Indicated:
4:02
